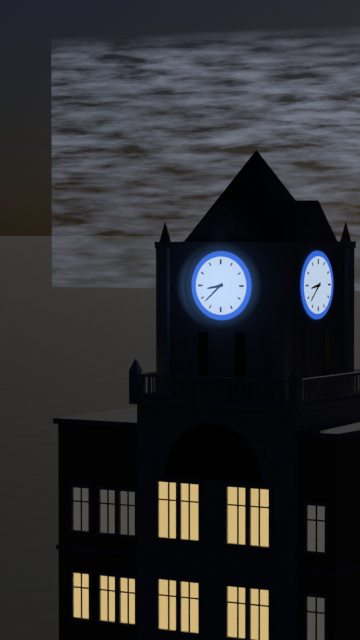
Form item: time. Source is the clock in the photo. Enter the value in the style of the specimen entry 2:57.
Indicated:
8:38
